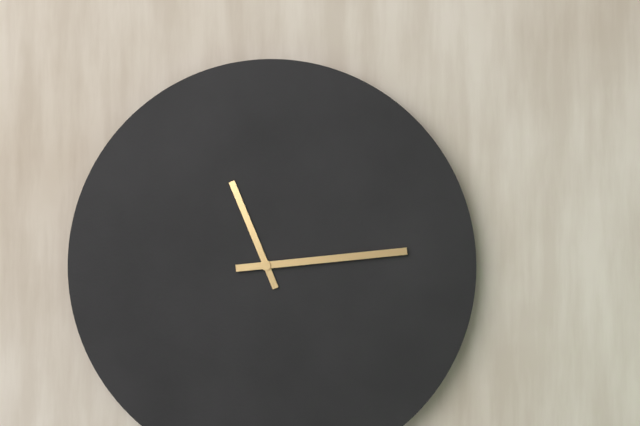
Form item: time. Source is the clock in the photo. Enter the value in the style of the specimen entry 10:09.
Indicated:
11:14
